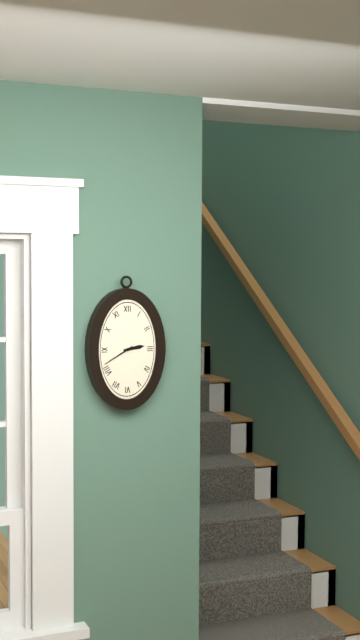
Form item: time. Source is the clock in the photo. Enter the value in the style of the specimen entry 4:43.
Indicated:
2:40
